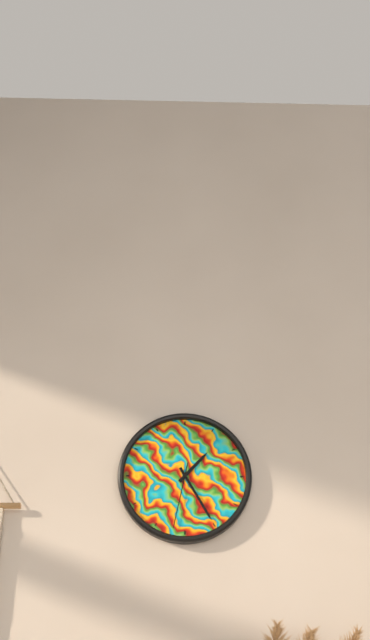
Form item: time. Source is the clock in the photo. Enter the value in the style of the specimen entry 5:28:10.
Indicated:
1:25:32
